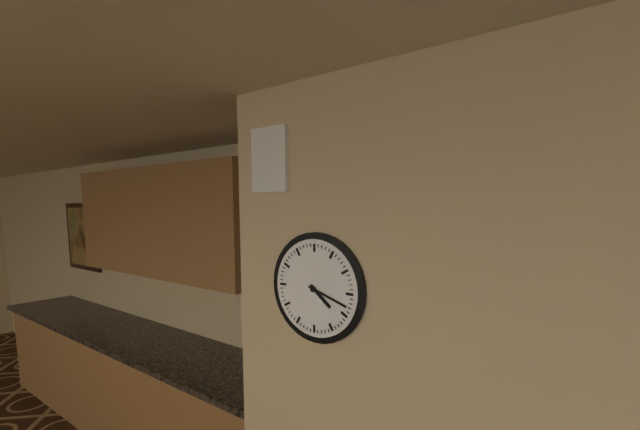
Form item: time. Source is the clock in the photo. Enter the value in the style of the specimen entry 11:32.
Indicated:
4:18
